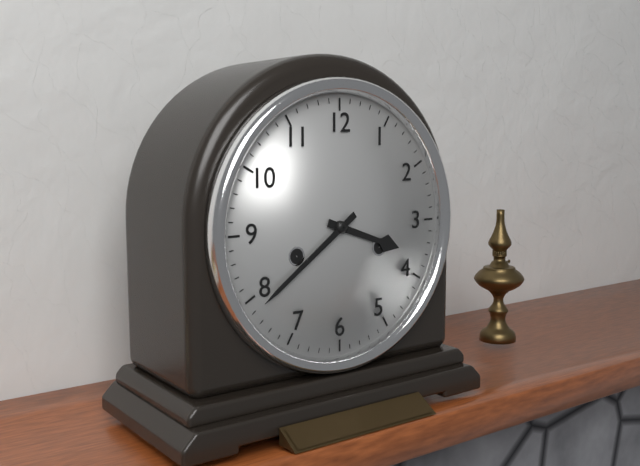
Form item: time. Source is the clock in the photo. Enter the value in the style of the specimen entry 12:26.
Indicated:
3:39
